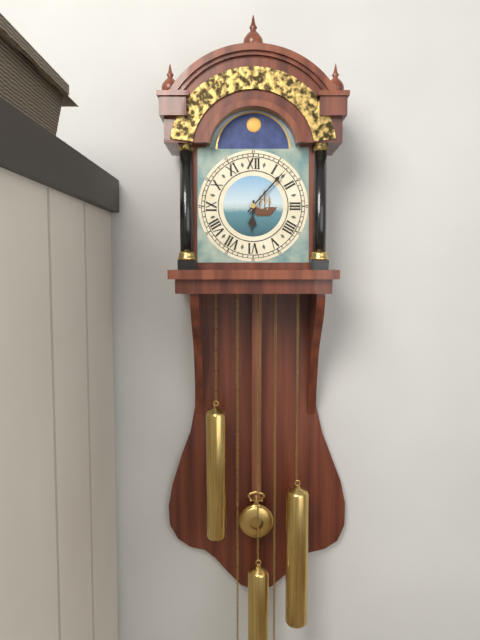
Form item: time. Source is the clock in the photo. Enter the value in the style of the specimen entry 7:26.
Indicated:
6:07
